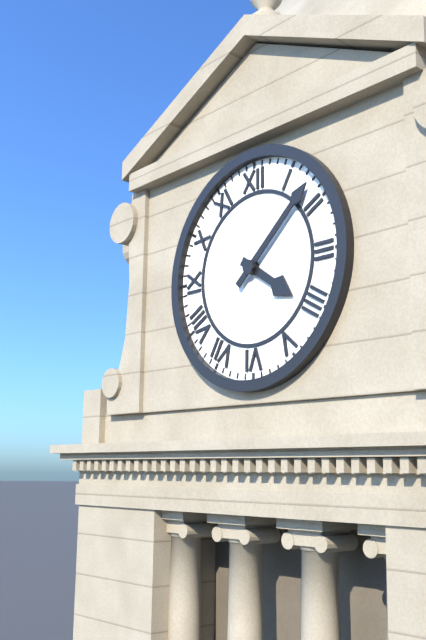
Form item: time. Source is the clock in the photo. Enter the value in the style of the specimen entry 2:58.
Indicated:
4:08
